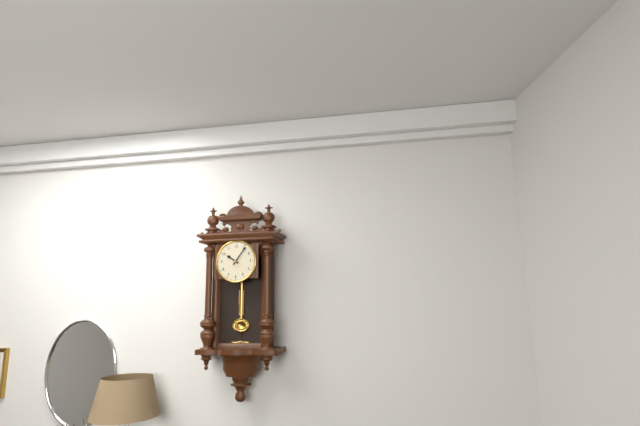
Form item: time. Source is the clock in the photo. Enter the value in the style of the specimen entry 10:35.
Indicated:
10:06
